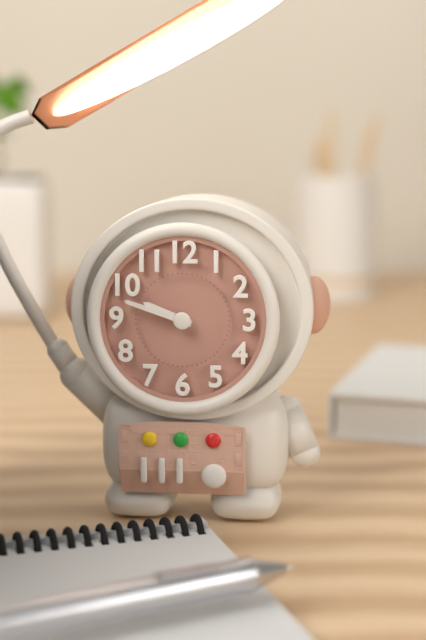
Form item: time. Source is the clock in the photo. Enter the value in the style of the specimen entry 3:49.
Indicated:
9:48
